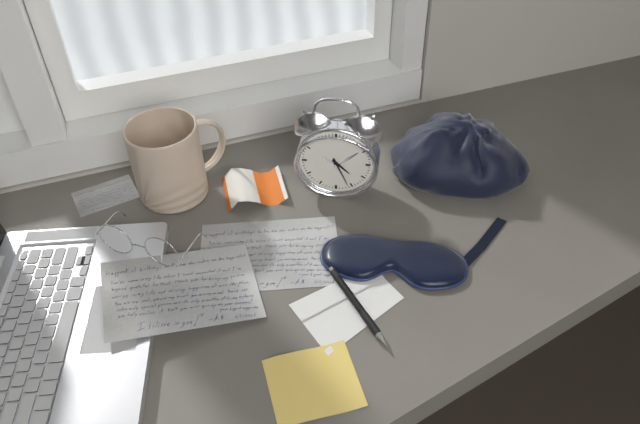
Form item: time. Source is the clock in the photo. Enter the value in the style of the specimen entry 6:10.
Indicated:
4:26
